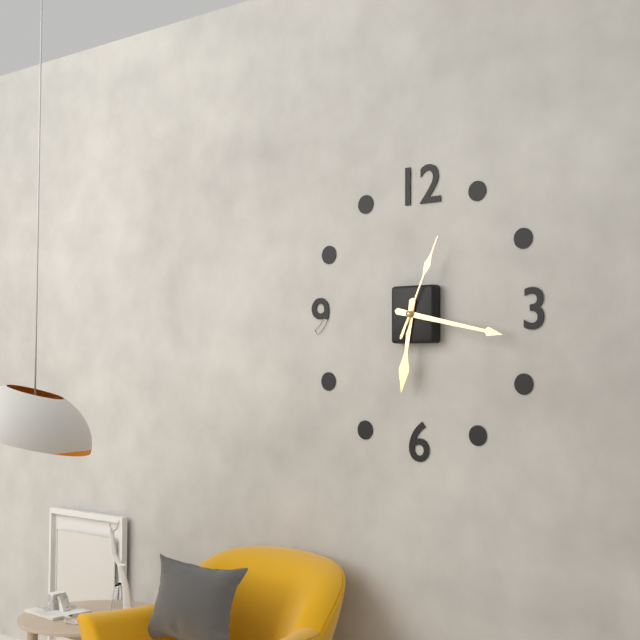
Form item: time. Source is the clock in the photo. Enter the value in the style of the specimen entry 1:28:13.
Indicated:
6:17:04
